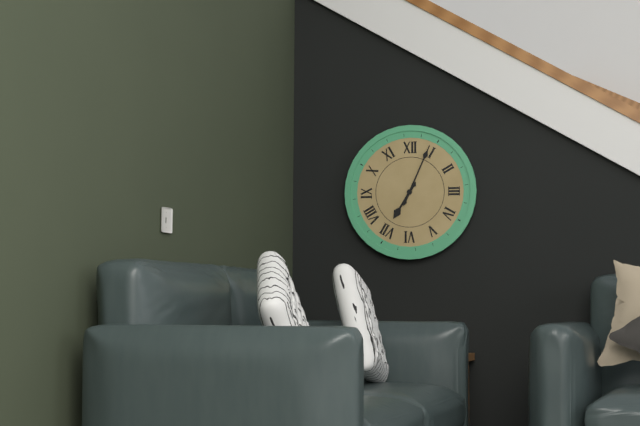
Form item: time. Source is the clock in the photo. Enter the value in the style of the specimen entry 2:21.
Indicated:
7:04
